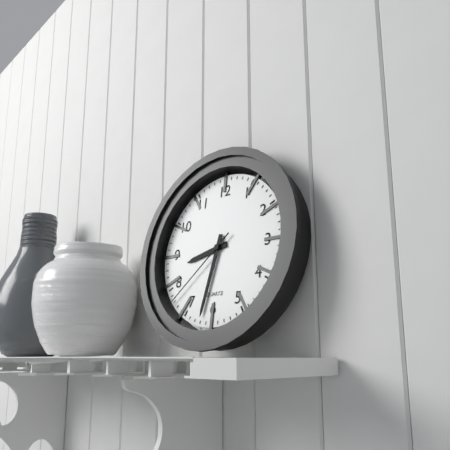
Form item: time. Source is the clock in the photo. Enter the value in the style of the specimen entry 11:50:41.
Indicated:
8:32:38
